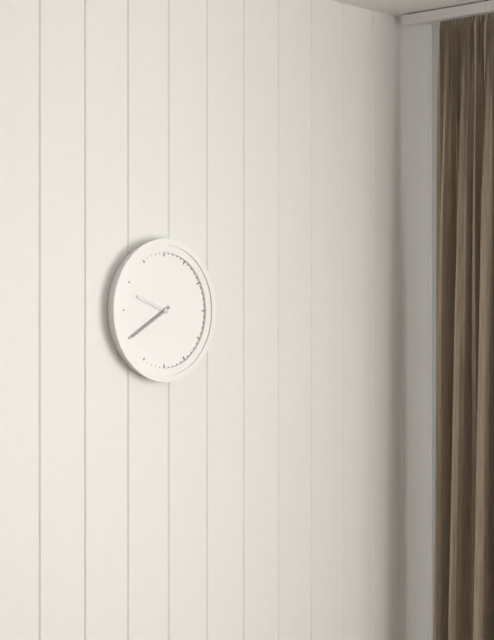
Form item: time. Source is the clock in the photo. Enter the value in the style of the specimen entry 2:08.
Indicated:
9:40
